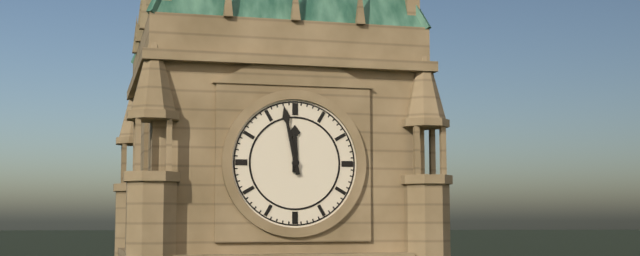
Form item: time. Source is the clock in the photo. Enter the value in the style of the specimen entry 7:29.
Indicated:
11:58
